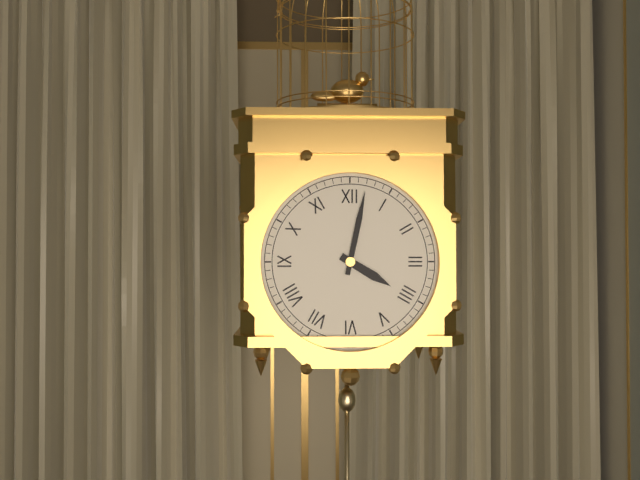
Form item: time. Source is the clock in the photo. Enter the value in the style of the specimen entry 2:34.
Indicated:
4:02
